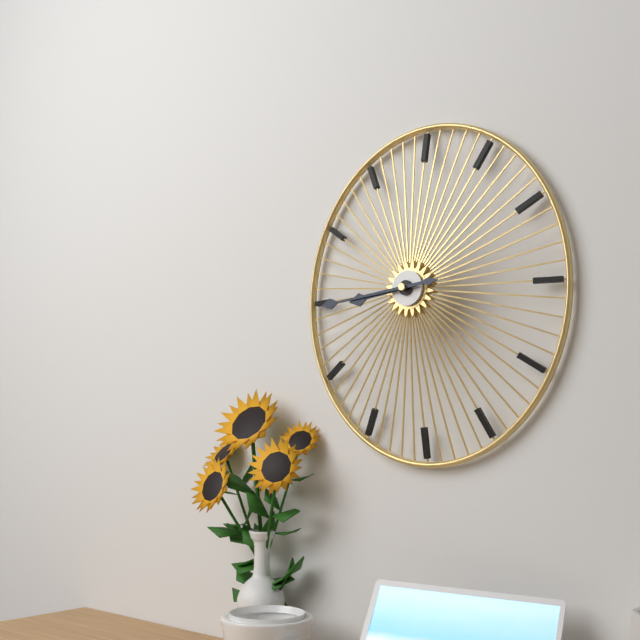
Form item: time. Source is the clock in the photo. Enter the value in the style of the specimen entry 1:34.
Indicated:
8:44
